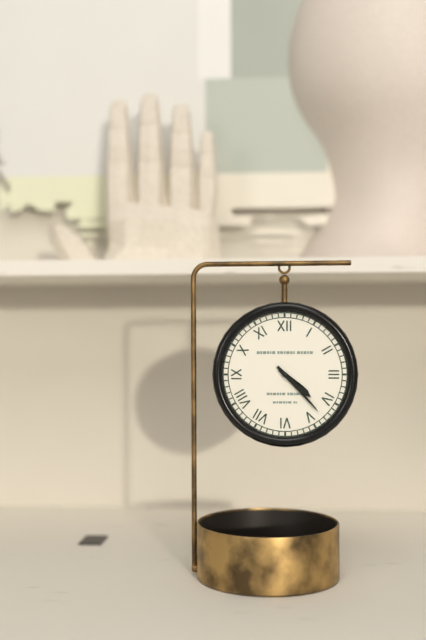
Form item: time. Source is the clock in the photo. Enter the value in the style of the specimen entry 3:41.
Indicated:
4:23
